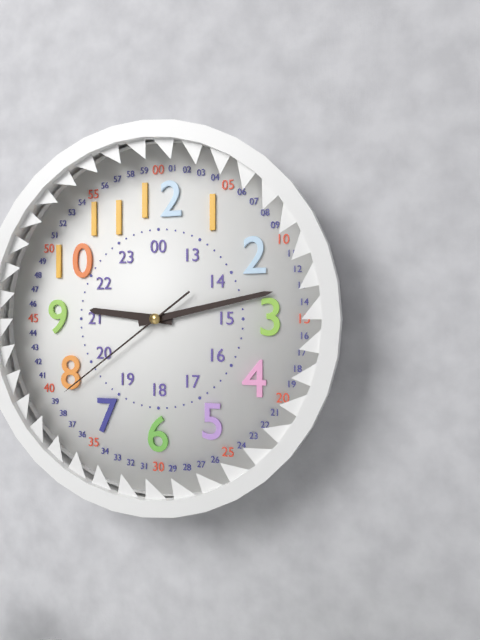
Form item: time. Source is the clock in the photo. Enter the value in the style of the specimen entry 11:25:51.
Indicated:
9:13:39
